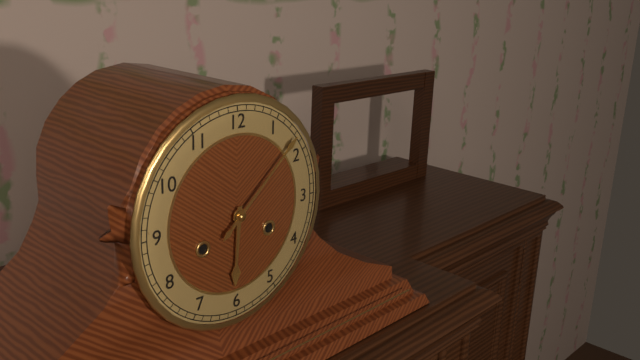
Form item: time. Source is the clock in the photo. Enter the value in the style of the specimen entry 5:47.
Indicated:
6:08
